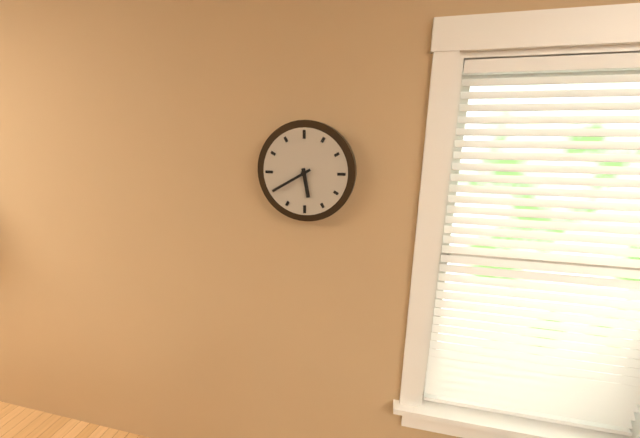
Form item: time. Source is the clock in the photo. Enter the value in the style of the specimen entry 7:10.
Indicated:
5:40
